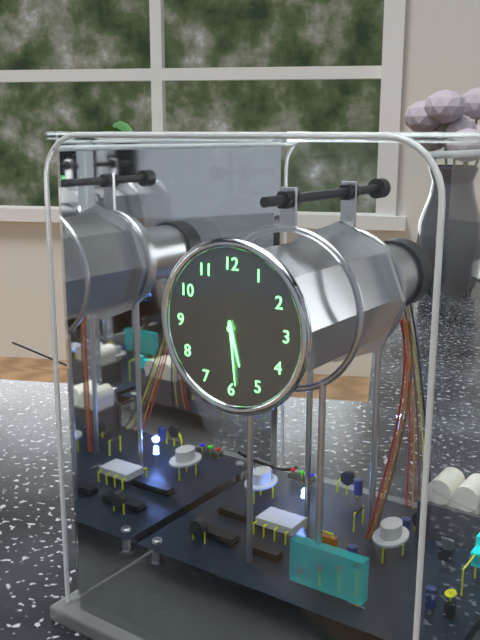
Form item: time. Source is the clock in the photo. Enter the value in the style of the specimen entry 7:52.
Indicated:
5:29
